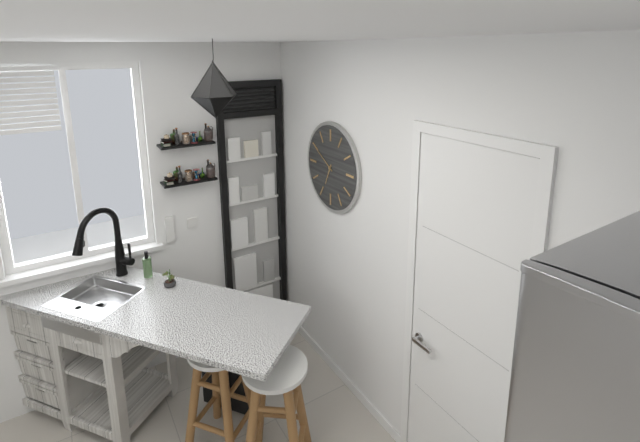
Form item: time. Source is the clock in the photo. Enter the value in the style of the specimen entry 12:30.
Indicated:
6:50
